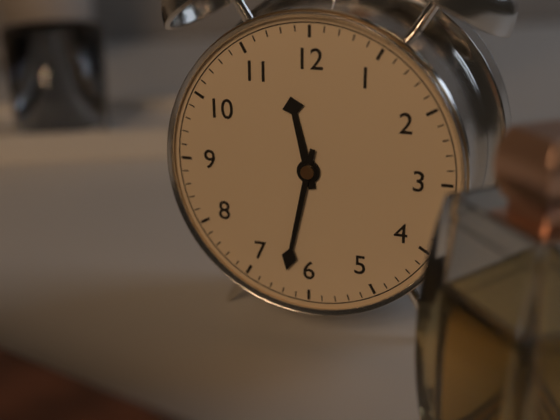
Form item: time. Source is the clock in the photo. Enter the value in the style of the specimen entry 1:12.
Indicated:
11:32
